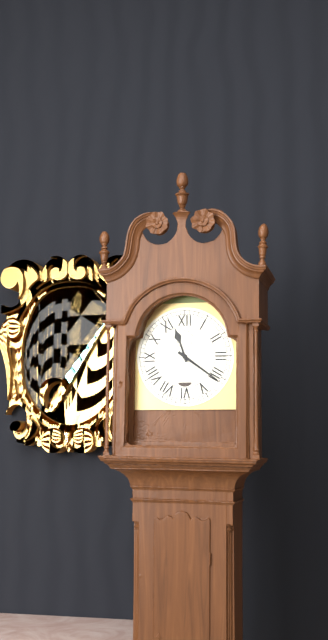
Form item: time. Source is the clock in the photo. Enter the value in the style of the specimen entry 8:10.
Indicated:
11:21
